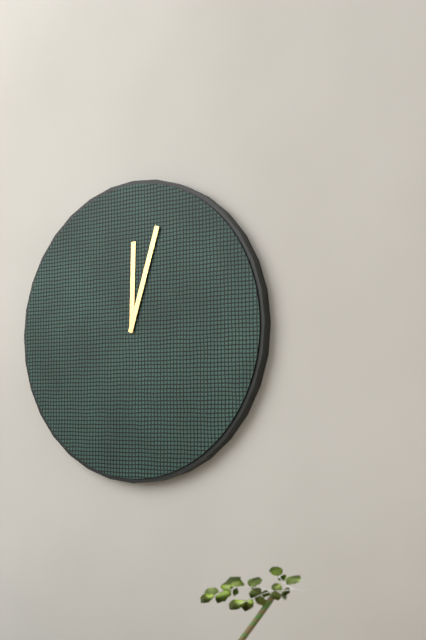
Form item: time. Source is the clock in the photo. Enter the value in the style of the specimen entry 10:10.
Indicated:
12:03
